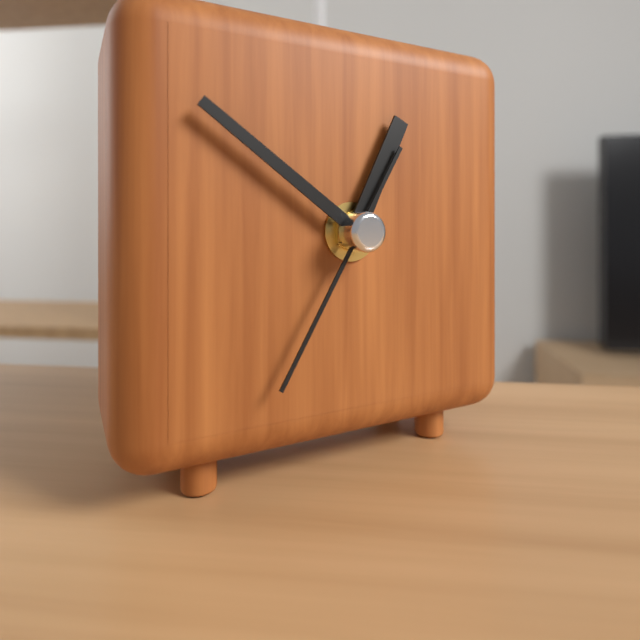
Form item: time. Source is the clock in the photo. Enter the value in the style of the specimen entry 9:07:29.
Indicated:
12:51:35
